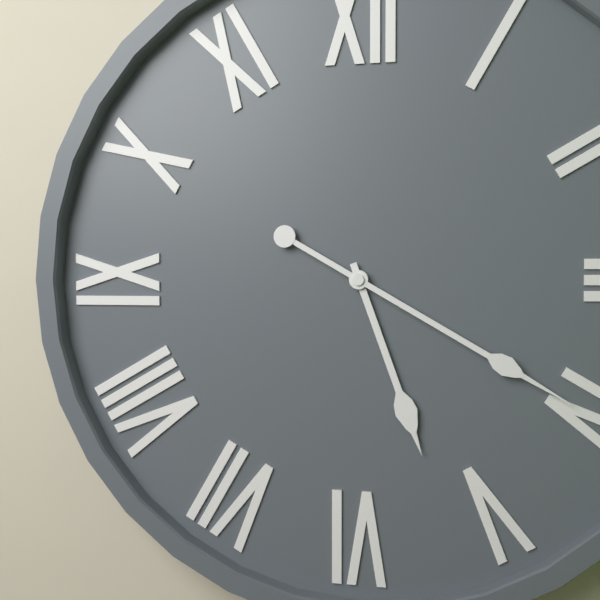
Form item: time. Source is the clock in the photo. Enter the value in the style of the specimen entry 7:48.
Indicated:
5:20
